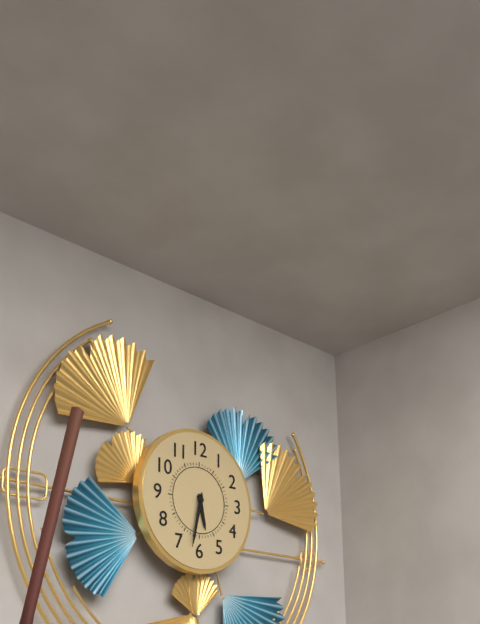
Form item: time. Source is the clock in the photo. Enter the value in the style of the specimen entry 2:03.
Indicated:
5:32
